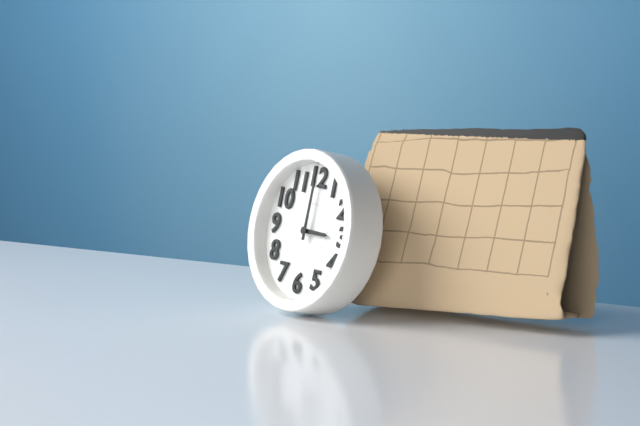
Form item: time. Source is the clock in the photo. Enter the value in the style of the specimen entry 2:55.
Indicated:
3:00
